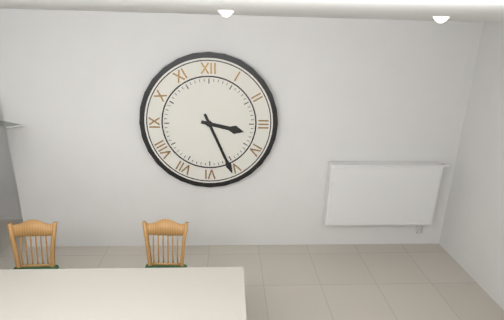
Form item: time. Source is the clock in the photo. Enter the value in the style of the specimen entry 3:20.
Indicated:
3:26
